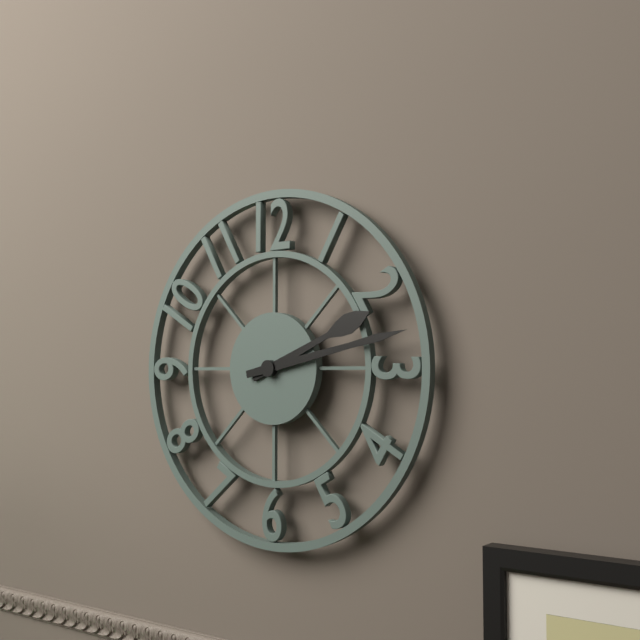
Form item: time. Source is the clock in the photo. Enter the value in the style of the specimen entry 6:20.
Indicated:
2:13
